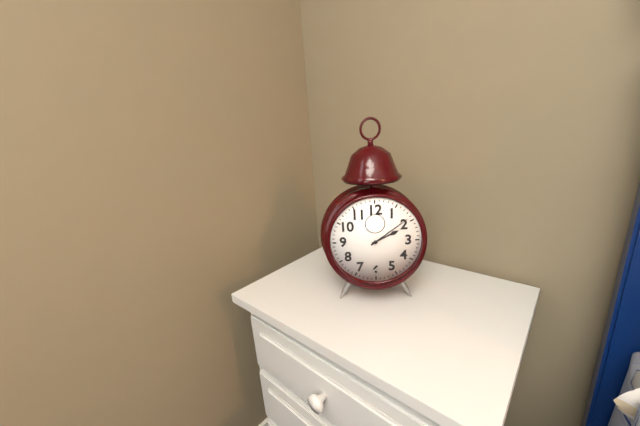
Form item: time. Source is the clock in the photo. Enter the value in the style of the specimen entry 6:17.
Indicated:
2:09
